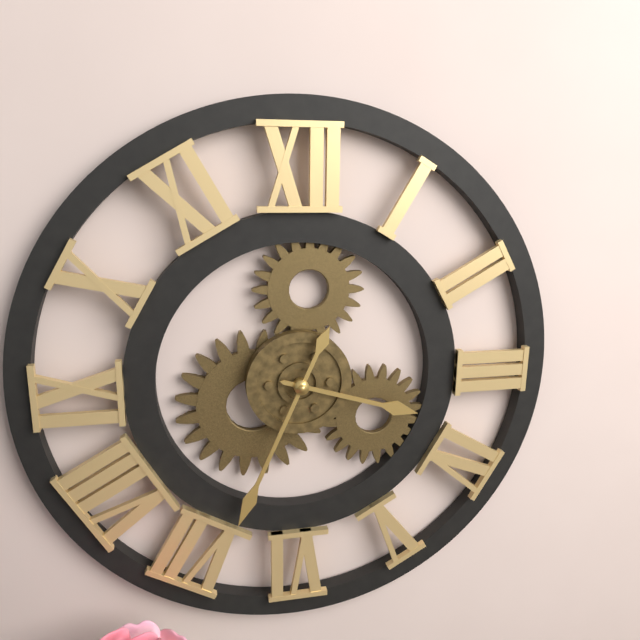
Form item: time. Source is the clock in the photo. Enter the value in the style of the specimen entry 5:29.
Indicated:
3:34
